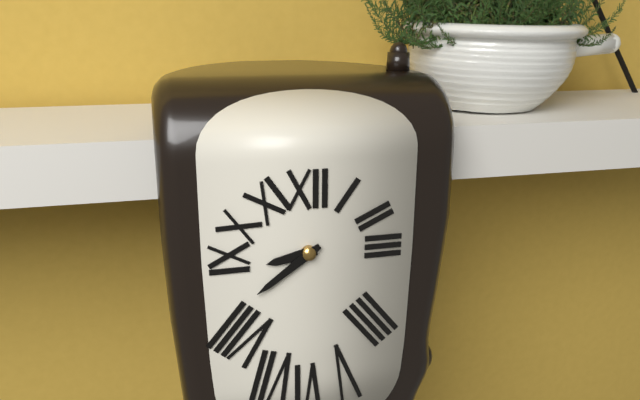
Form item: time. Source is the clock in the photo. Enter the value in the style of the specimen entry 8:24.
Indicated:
8:39
